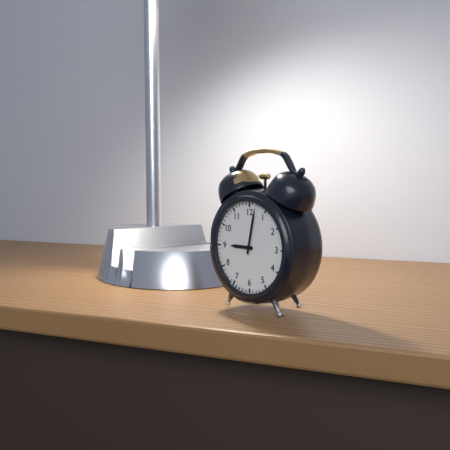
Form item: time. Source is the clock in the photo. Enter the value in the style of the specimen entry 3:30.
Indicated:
9:02
